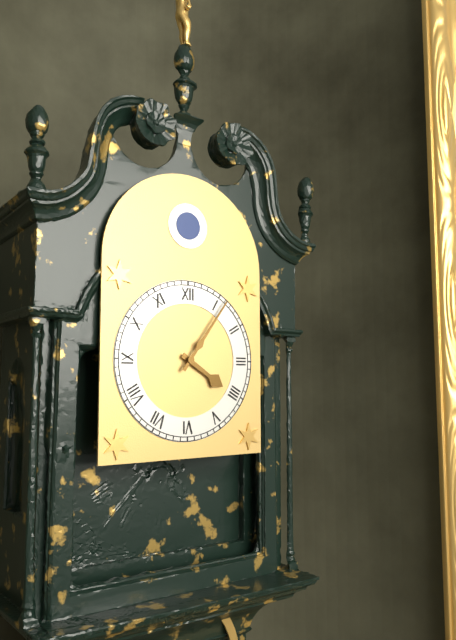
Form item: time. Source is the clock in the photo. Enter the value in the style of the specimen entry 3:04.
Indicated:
4:06
